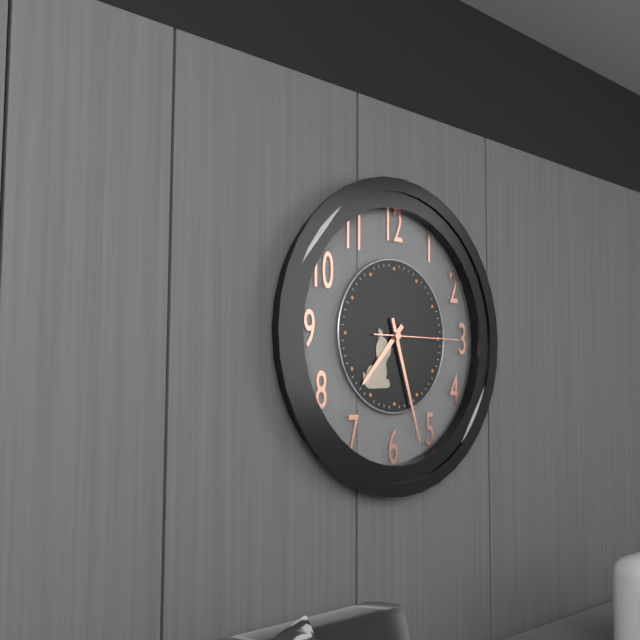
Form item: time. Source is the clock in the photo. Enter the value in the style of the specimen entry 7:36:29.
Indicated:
7:27:15
